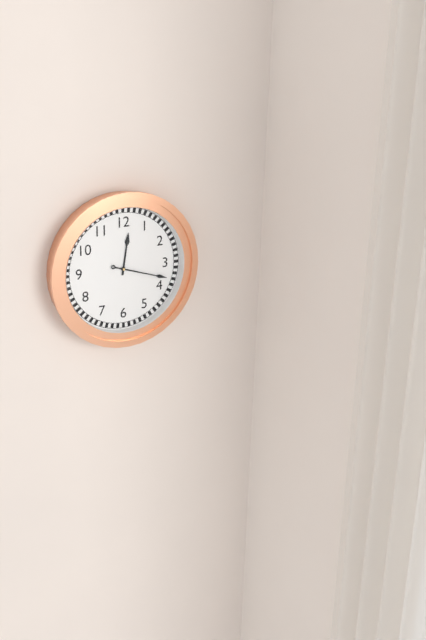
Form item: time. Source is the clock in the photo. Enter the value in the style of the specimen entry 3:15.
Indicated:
12:18
